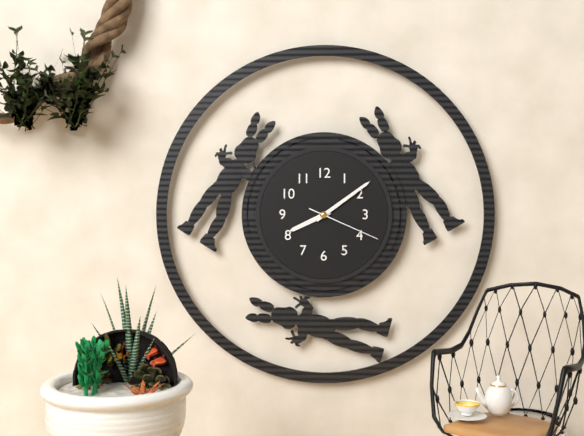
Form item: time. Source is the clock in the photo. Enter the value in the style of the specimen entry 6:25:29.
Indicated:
8:09:19
